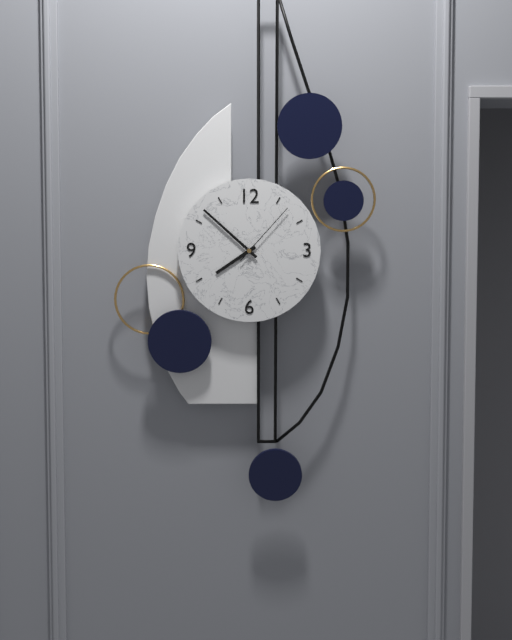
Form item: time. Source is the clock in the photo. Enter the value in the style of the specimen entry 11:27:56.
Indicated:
7:52:07
